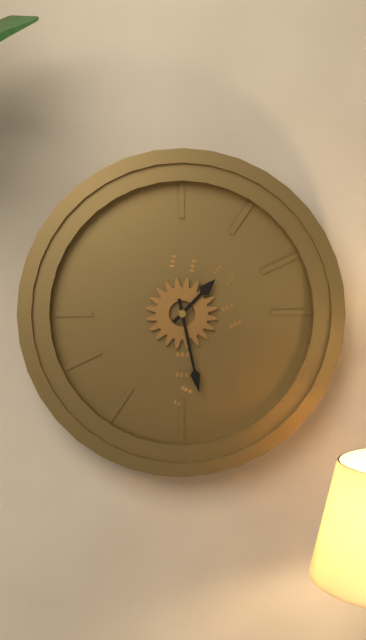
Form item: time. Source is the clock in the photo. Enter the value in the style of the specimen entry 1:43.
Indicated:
1:28
